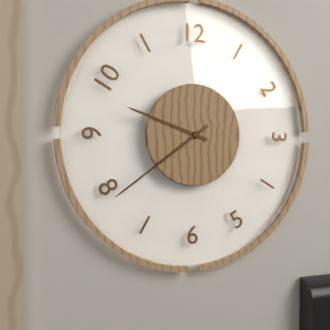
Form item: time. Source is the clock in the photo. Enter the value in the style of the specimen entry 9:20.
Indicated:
9:39
